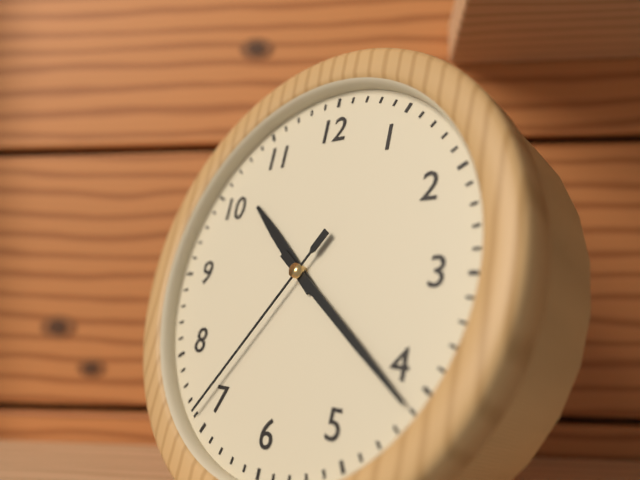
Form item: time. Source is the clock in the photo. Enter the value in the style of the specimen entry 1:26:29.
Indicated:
10:21:36
